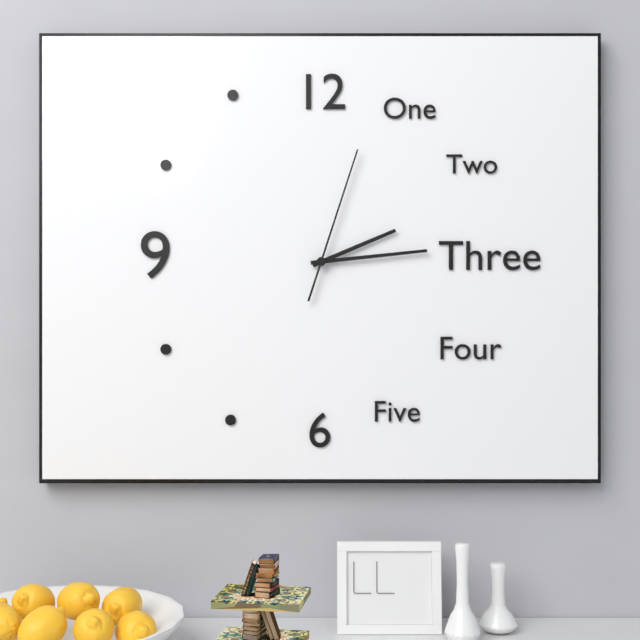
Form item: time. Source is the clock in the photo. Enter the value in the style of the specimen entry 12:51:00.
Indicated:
2:14:03
